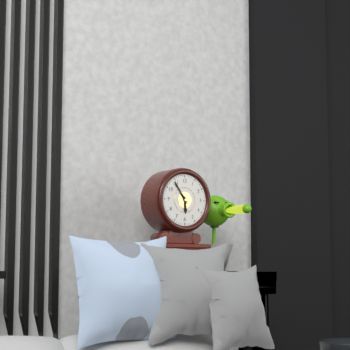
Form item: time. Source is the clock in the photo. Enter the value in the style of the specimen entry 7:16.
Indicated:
5:54
